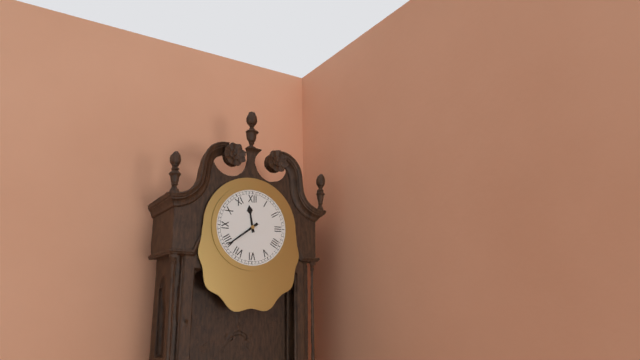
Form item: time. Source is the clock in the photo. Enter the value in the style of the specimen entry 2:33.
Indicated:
11:39
